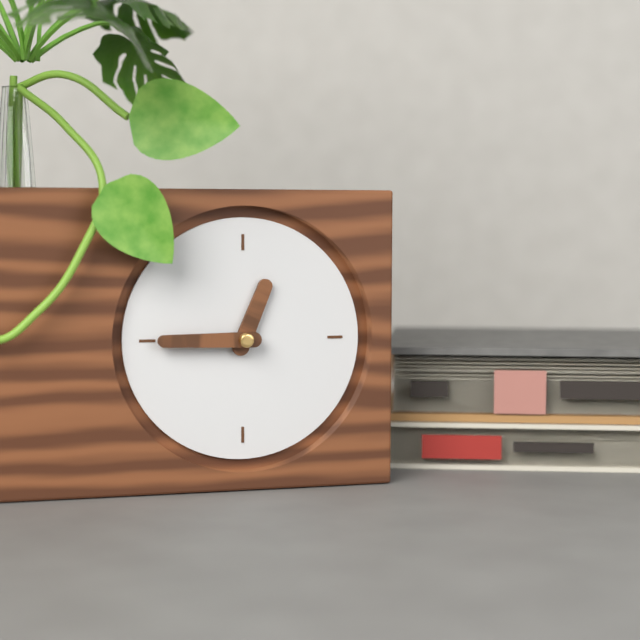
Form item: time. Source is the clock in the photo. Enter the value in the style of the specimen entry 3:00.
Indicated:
12:45
